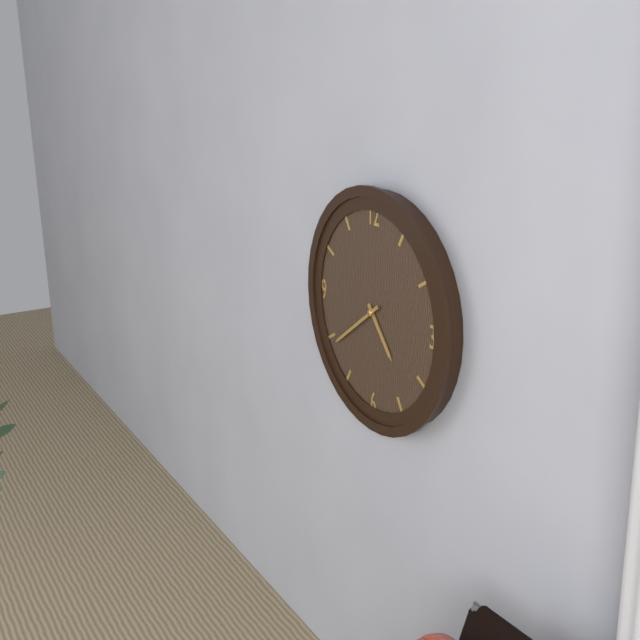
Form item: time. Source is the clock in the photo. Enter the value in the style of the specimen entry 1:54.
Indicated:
4:39
